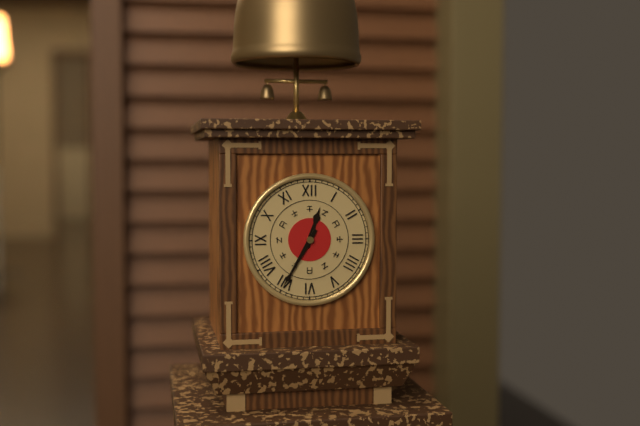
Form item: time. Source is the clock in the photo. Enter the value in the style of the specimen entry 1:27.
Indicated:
12:35
